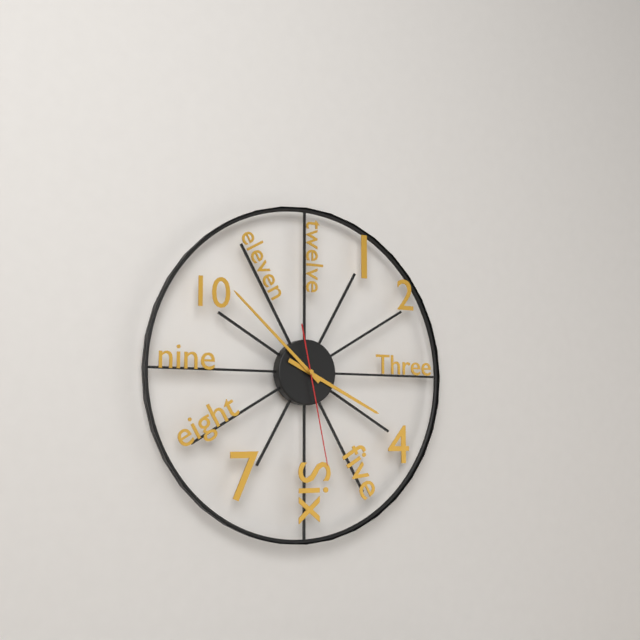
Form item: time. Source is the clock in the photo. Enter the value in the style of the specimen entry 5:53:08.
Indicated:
3:52:28
